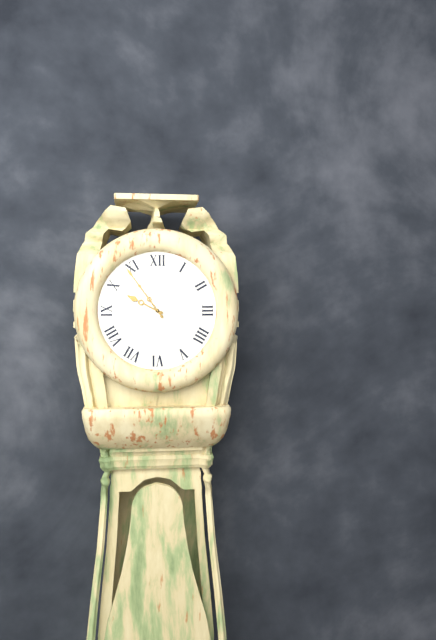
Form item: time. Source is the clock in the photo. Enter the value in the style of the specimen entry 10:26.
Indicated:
9:54
